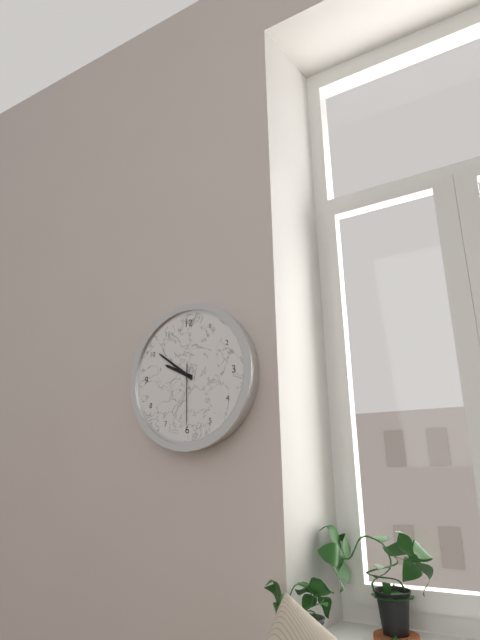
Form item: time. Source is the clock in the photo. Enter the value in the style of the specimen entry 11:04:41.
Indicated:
9:51:30
